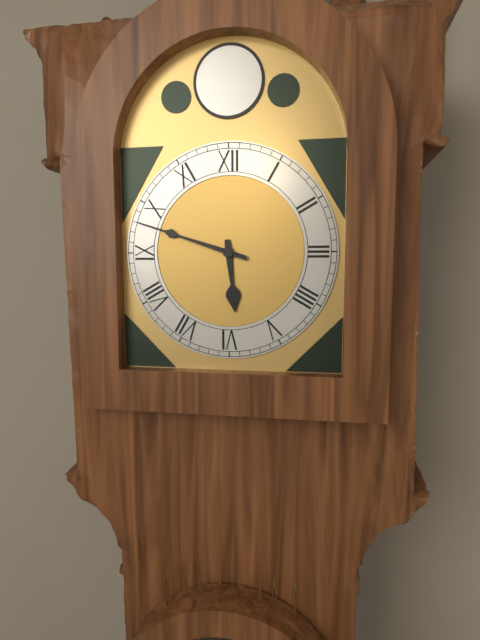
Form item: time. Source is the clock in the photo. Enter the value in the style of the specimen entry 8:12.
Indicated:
5:48
